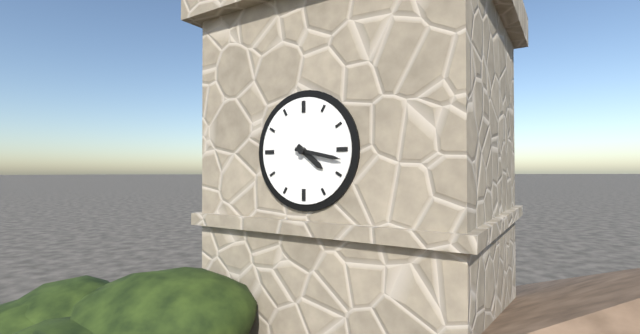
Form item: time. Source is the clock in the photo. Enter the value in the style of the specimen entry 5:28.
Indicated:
4:17
